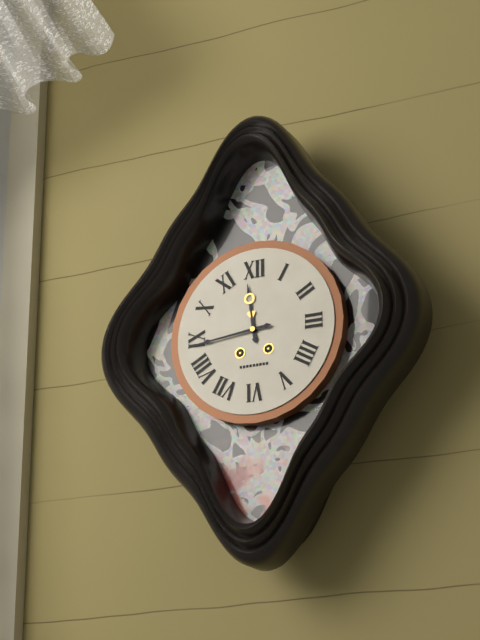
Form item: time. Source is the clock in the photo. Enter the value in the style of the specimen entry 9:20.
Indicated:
11:44
